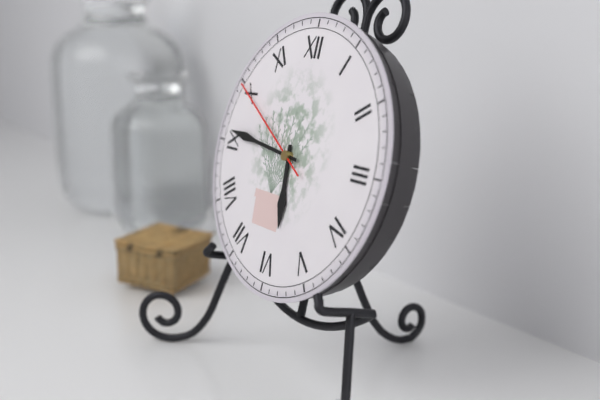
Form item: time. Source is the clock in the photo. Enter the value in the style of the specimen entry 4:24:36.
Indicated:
5:46:50
